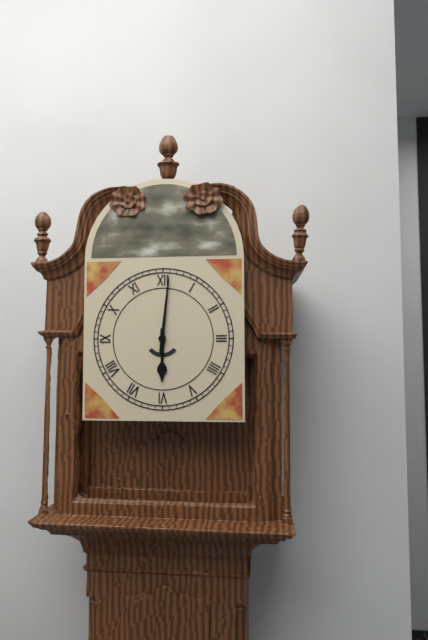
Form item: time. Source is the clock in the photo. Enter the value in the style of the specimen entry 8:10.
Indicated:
6:01
